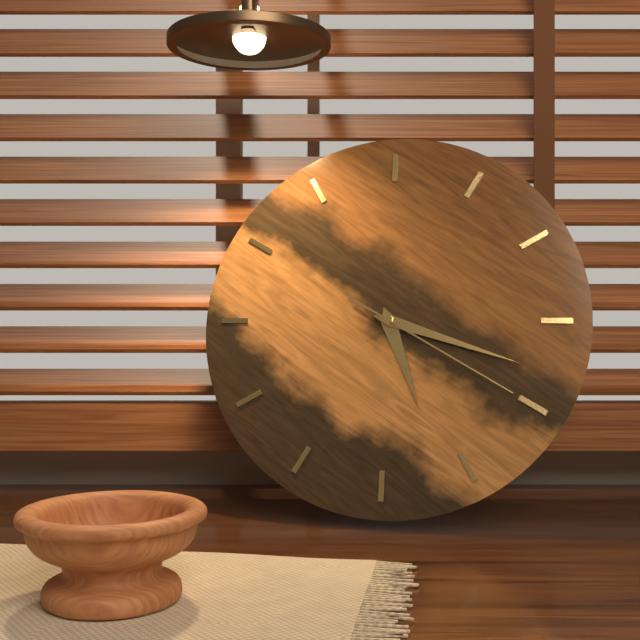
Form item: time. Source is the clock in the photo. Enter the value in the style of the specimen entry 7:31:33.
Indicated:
5:18:20
